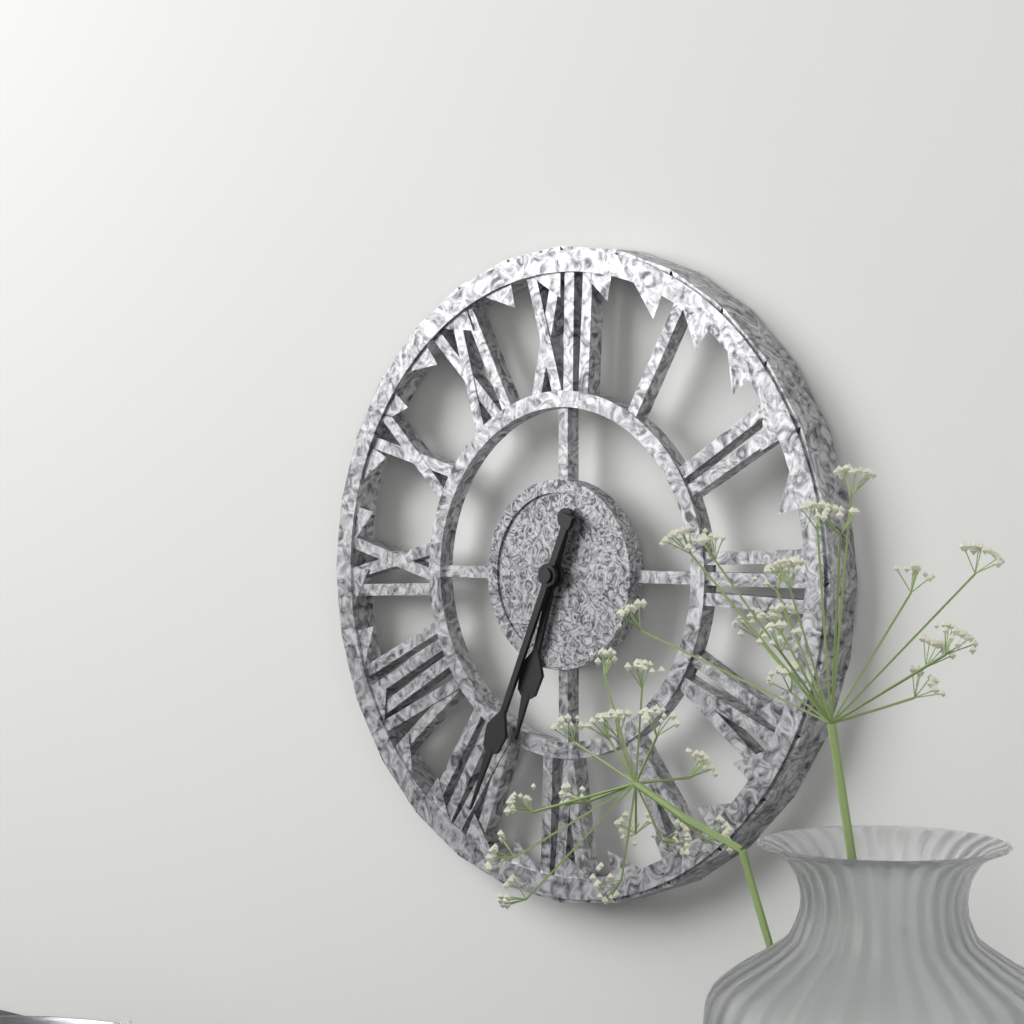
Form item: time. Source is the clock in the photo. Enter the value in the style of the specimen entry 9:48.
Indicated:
6:34
